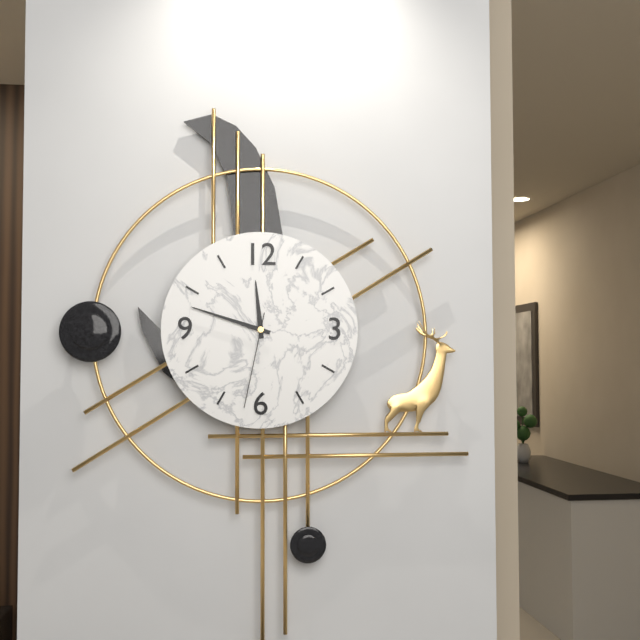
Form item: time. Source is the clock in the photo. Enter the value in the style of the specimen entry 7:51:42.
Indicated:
11:48:32
